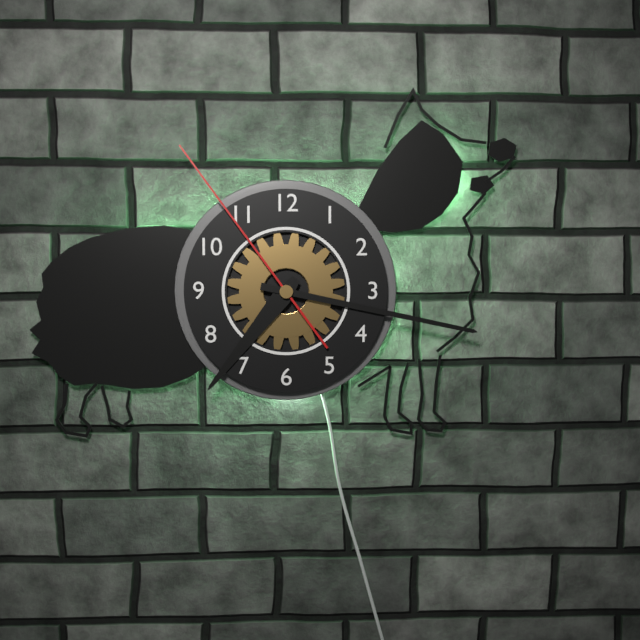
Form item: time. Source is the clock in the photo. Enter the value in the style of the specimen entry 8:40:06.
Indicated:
7:17:54
